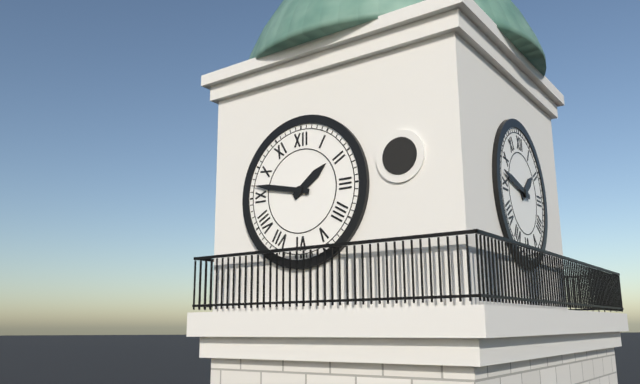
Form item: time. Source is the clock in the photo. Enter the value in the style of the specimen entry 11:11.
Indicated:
1:47
